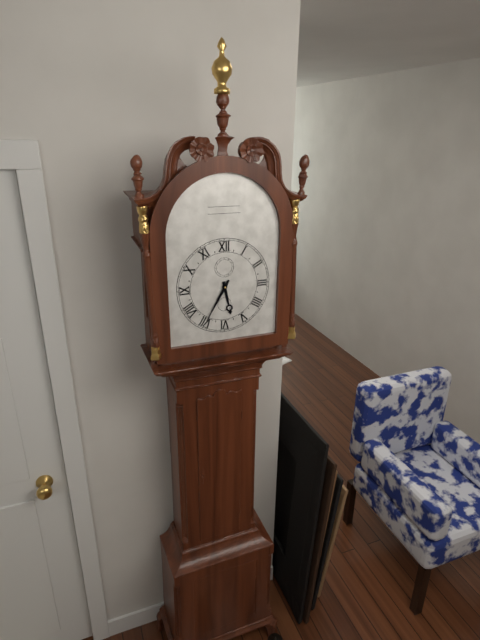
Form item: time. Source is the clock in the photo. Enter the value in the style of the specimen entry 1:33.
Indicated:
5:35
